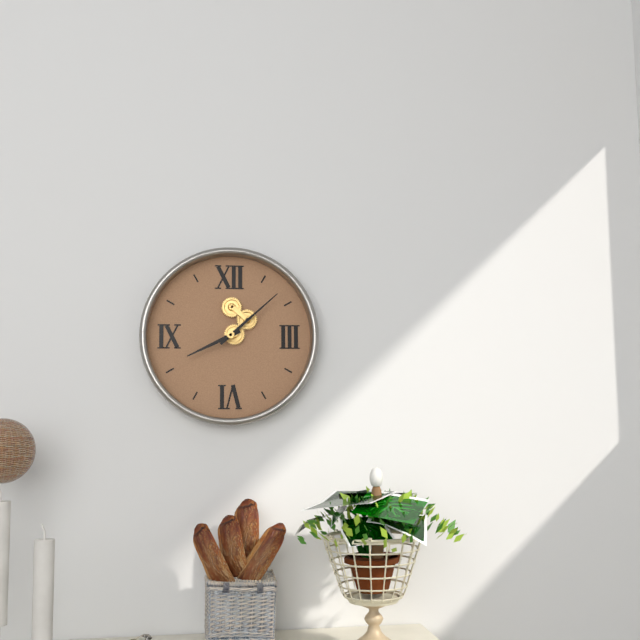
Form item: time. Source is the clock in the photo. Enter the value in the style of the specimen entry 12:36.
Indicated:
8:08
